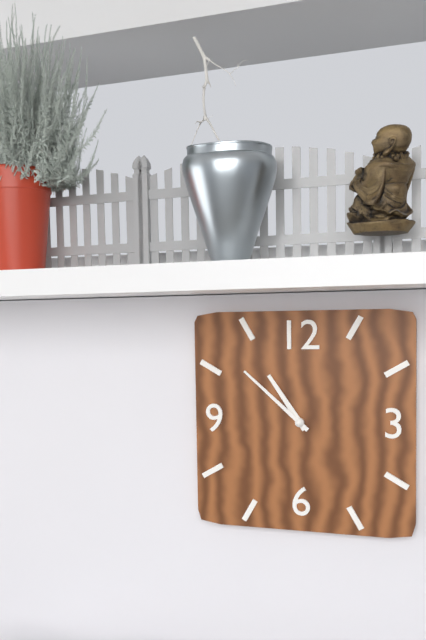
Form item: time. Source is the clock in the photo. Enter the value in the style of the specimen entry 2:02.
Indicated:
10:52
